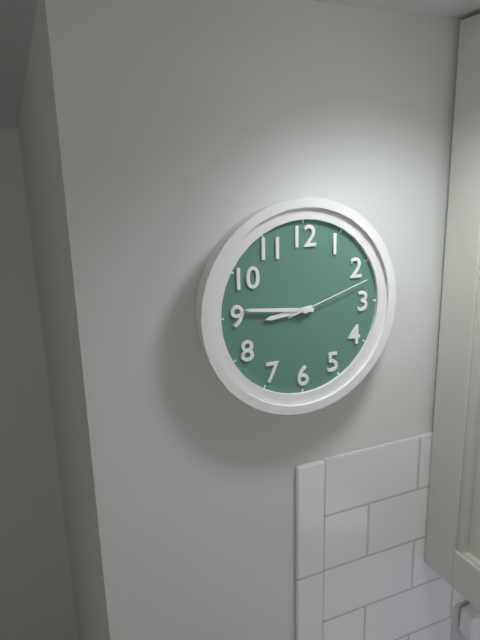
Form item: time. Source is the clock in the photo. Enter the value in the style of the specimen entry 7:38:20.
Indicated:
8:46:12
